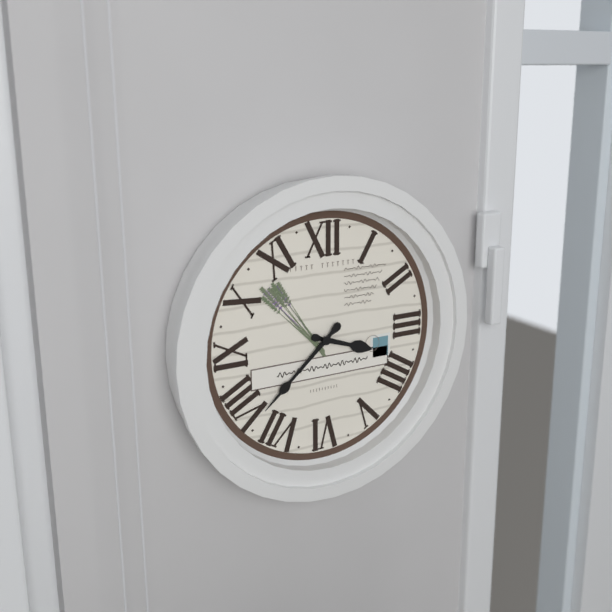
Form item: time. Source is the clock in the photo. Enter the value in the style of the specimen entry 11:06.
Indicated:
3:38
